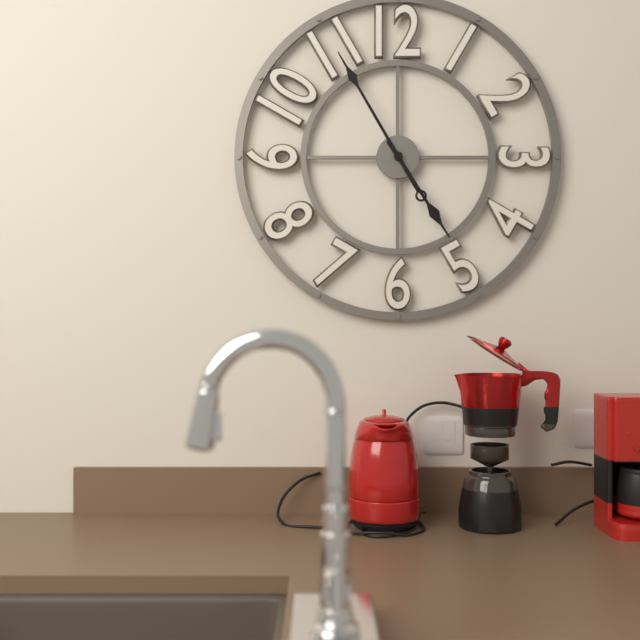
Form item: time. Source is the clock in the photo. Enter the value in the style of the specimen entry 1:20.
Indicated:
4:55
